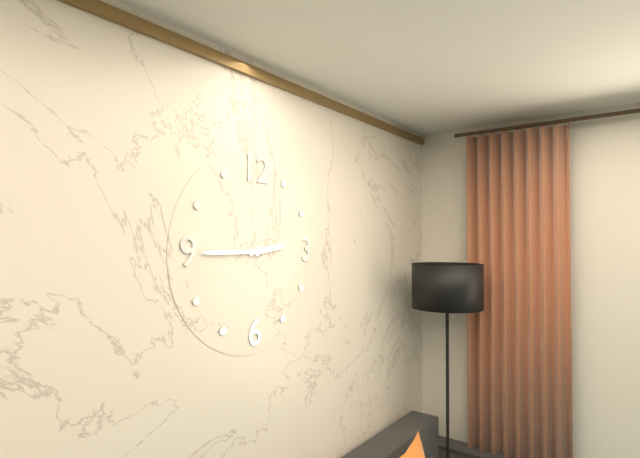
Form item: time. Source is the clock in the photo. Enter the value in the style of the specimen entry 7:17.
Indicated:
2:45
